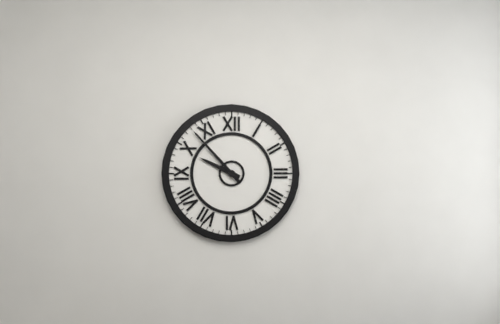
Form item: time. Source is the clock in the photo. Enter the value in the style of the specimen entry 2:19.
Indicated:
9:53
